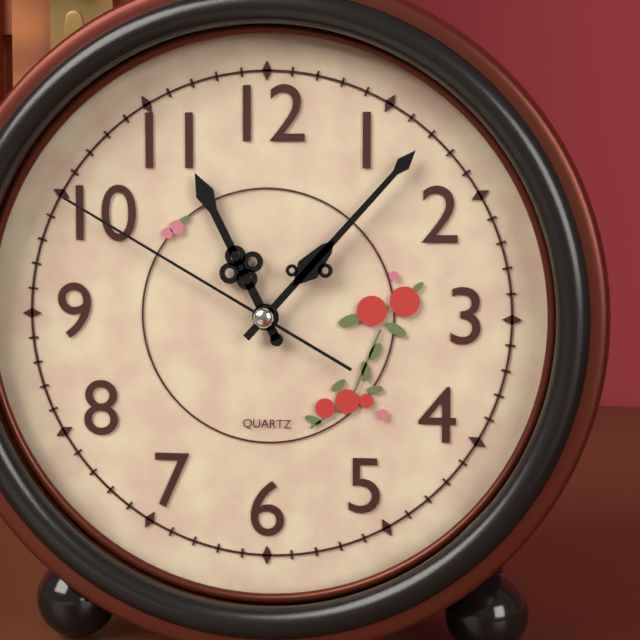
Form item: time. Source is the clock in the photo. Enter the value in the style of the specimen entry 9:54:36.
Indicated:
11:07:50
